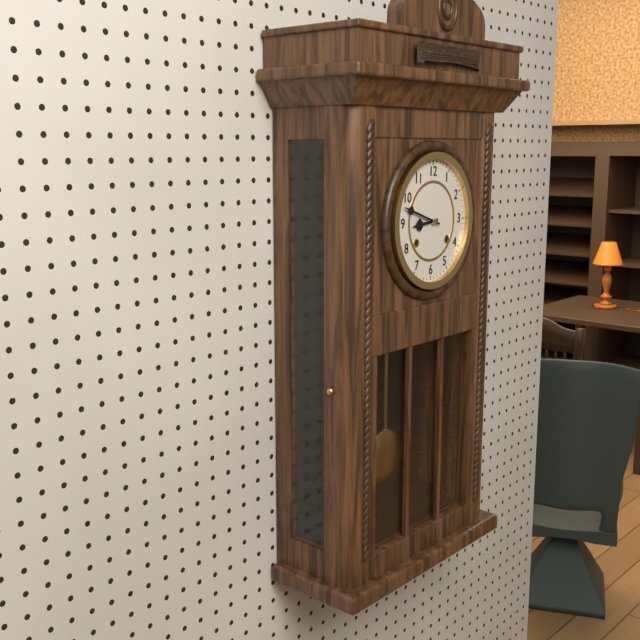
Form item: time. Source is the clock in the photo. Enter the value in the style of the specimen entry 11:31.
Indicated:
8:48
